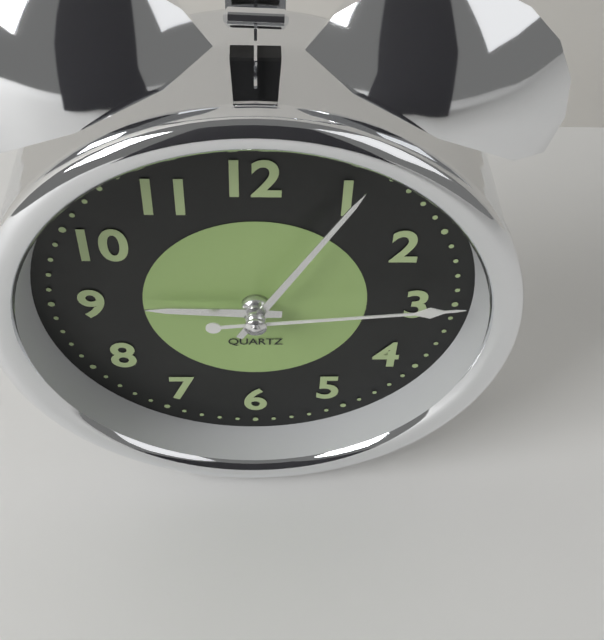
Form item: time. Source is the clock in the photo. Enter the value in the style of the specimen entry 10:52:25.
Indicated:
9:05:14
